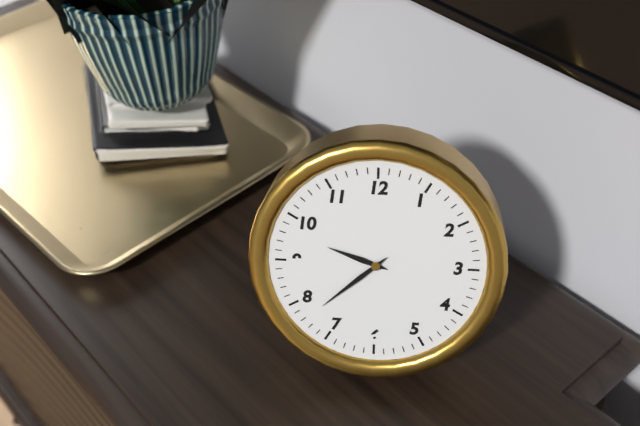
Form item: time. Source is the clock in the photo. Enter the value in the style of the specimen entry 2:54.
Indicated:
9:38
